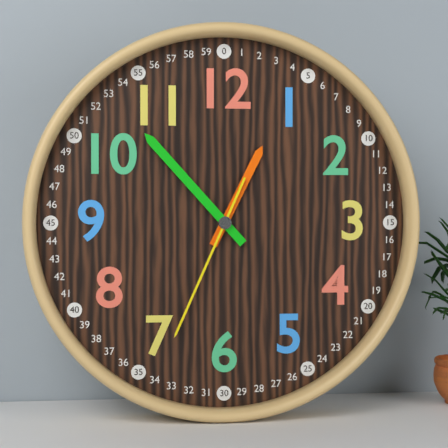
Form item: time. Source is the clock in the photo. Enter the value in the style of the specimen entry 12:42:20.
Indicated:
12:53:34
